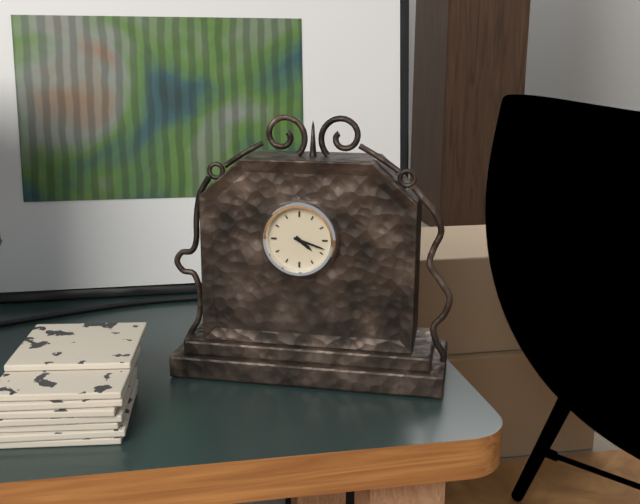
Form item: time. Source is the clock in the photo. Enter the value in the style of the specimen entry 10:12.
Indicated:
4:18
